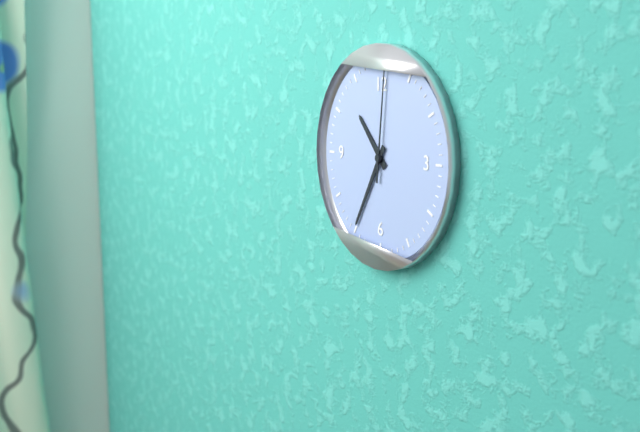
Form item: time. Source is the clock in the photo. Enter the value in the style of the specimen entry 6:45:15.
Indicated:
10:35:01
